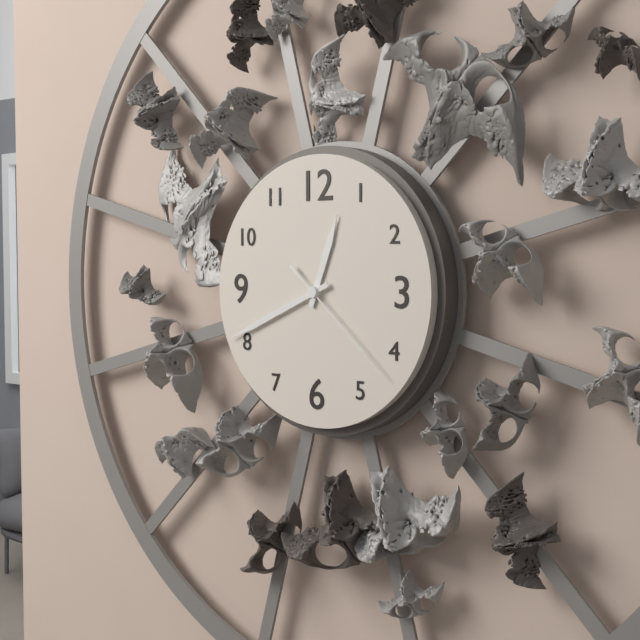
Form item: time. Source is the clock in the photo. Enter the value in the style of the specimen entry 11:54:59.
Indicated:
12:41:22
